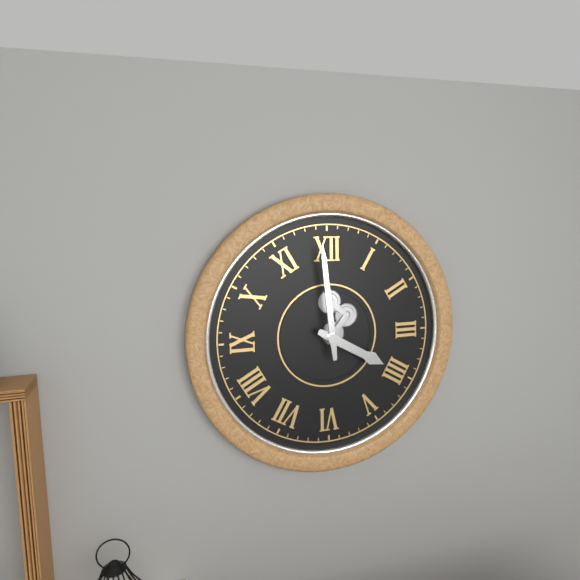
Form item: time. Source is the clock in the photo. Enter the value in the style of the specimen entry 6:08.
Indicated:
3:59
